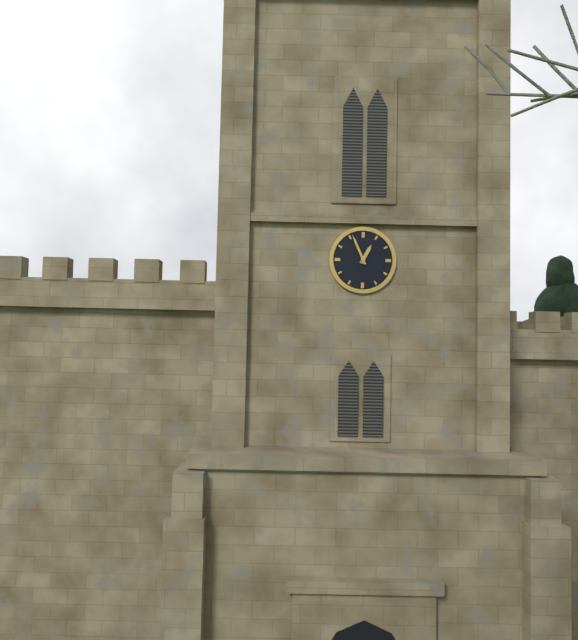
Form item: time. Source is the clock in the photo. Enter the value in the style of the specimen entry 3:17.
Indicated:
12:56
